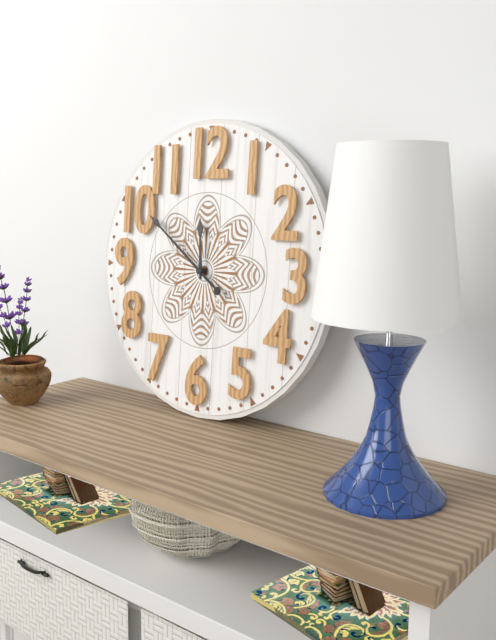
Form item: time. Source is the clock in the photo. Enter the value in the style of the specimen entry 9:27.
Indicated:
11:51
